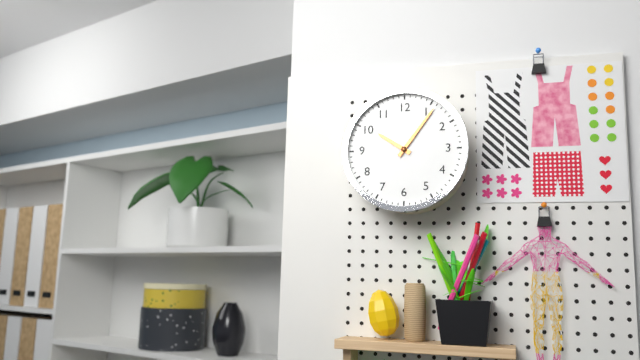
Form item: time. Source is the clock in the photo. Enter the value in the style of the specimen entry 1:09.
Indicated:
10:06
